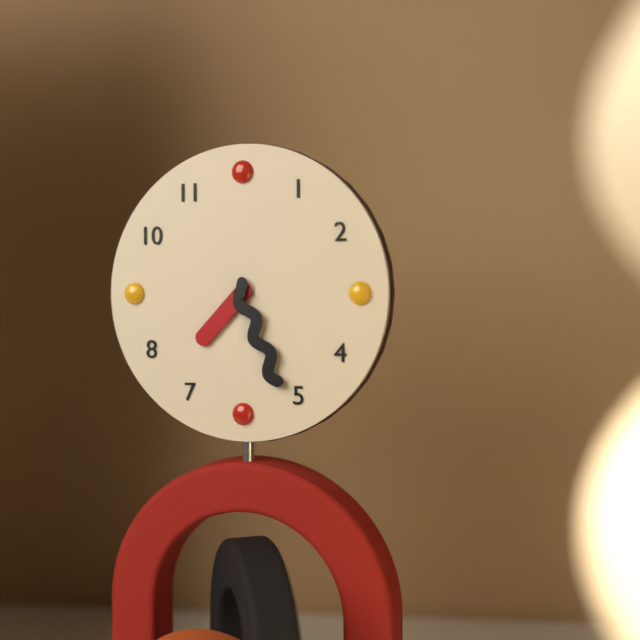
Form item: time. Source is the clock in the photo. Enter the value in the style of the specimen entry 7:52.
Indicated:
7:26
